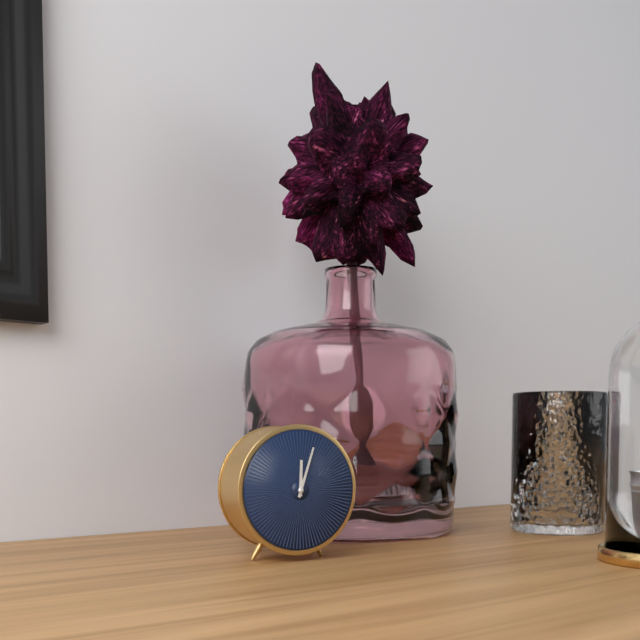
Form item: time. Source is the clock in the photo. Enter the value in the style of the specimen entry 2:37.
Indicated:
12:03
